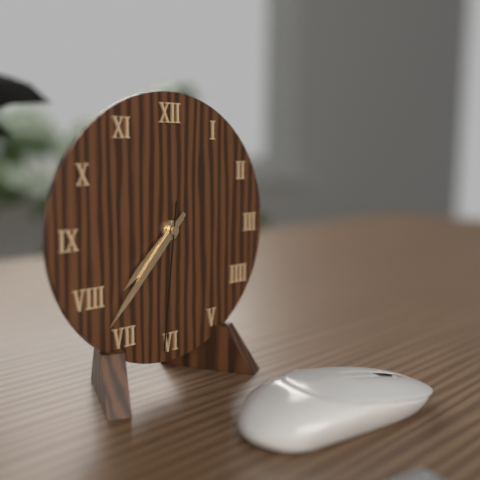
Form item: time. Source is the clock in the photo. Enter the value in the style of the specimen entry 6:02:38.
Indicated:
7:37:31
